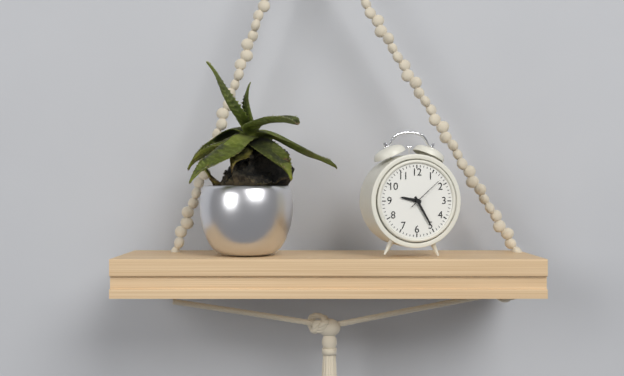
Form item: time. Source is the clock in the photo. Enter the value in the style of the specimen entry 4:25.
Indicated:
9:25
